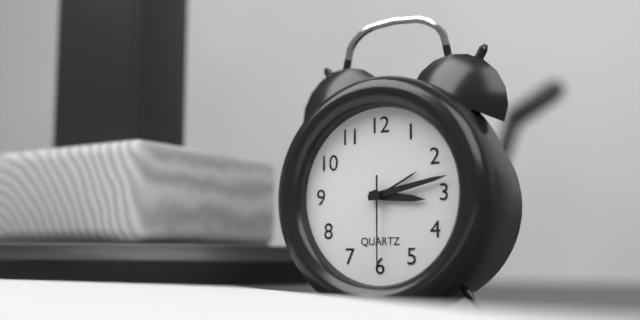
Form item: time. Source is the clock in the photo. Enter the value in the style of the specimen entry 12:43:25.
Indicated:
3:13:30
